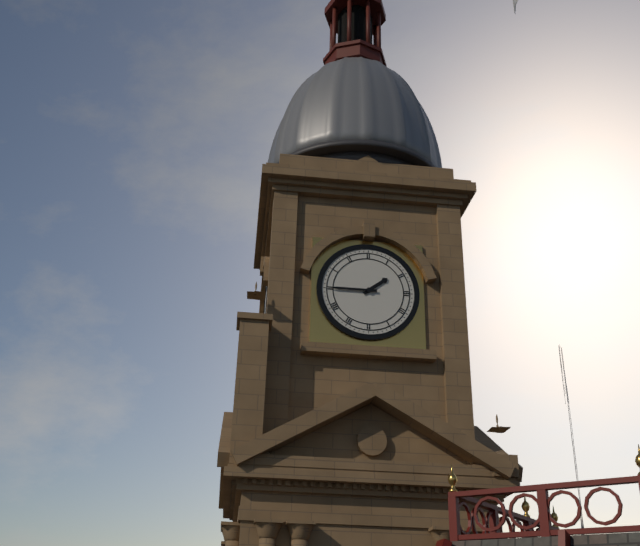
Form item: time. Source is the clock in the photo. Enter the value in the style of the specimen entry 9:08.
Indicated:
1:45
